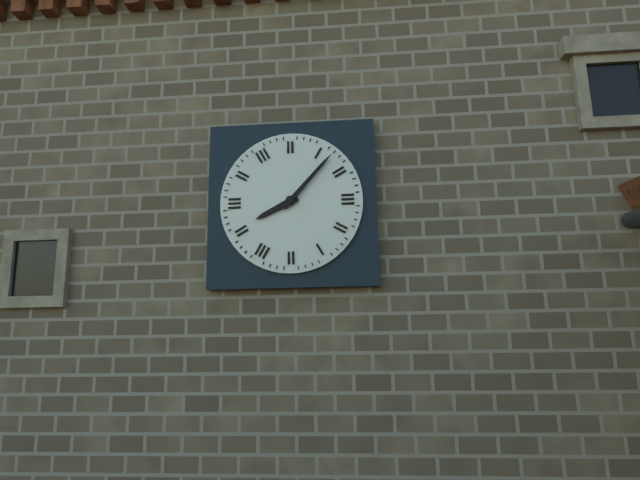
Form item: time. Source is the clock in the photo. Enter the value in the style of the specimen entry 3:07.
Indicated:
8:07
